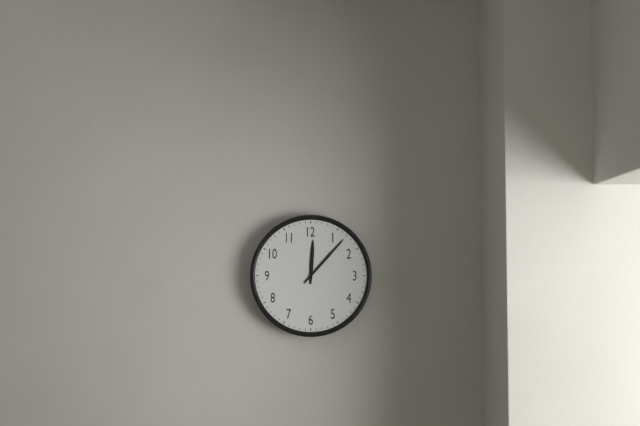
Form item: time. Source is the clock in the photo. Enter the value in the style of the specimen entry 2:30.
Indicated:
12:07
